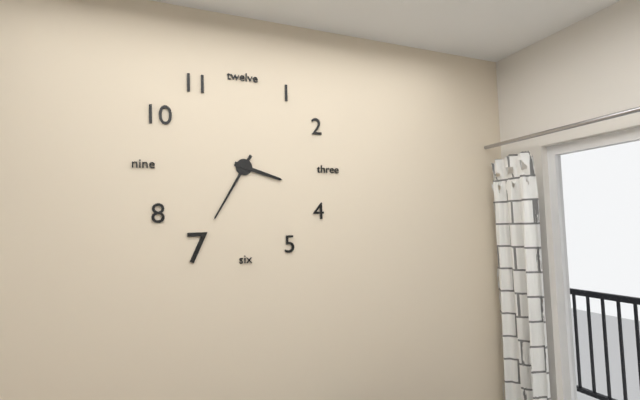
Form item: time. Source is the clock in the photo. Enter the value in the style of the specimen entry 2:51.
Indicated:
3:35
